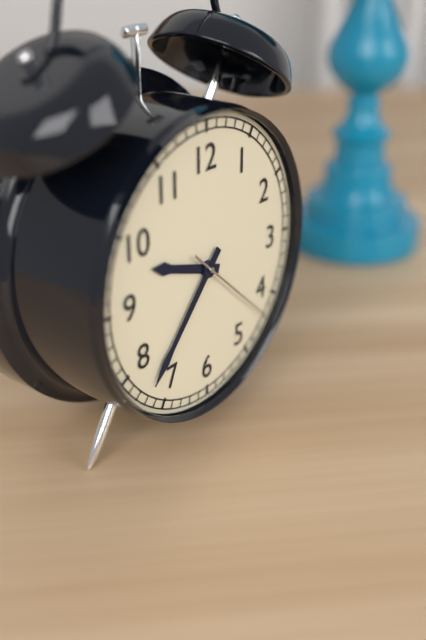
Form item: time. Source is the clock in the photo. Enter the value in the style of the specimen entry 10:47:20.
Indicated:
9:37:22
